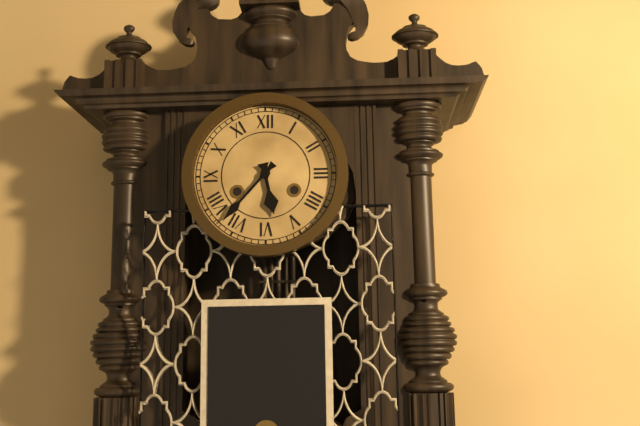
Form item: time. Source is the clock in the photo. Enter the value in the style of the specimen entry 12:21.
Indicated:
5:37
